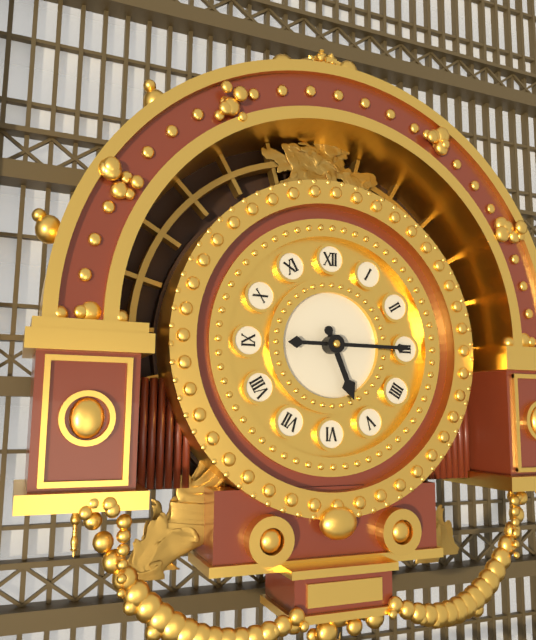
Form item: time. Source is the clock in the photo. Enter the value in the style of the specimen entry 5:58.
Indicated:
5:15
